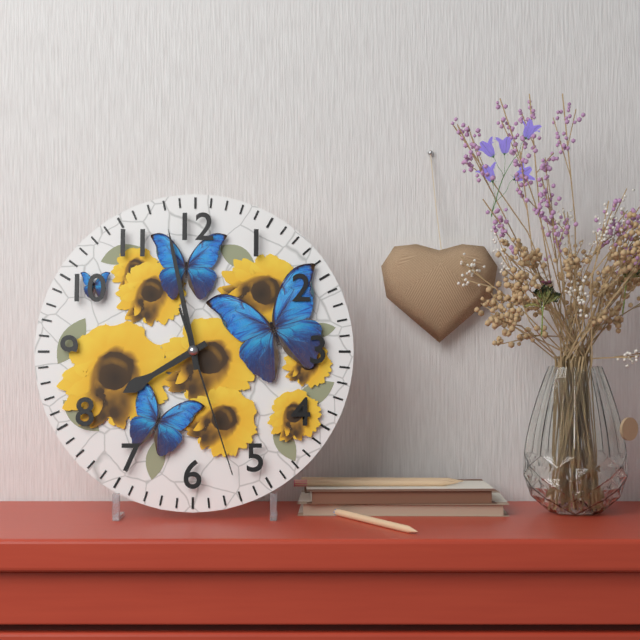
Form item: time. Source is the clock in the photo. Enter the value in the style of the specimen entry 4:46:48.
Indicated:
7:58:27
